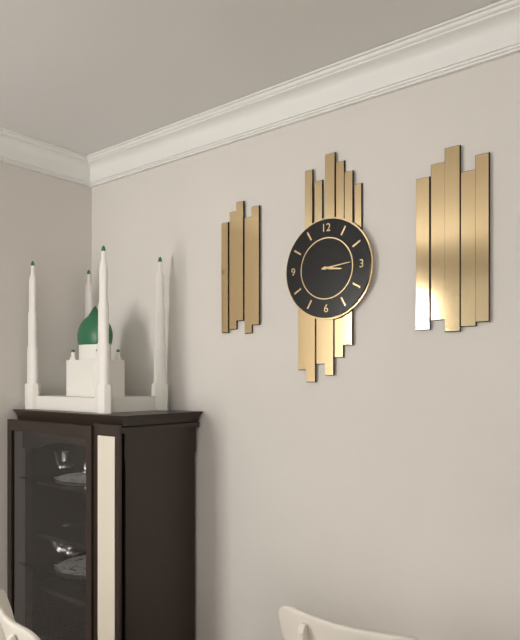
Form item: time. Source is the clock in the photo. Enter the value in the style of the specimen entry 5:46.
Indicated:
3:14
